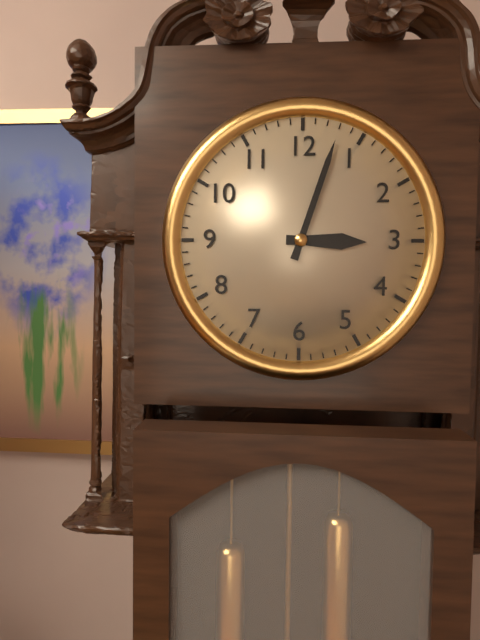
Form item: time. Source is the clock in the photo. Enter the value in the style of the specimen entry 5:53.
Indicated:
3:03
